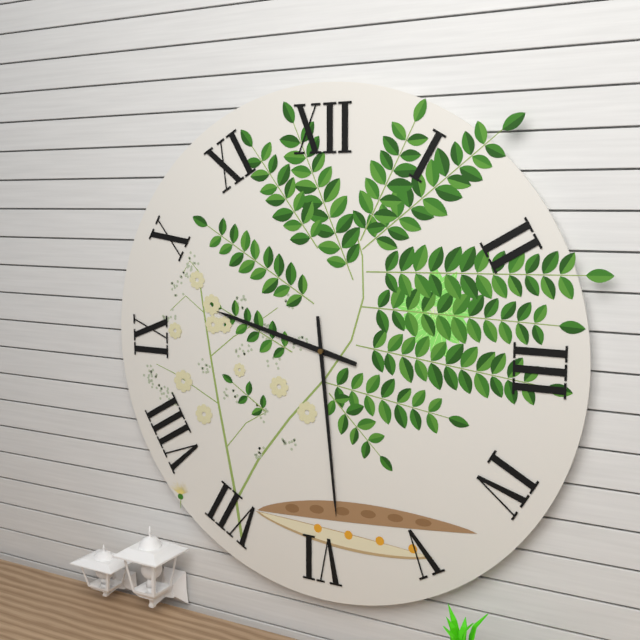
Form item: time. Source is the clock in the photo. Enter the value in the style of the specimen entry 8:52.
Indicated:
9:29
